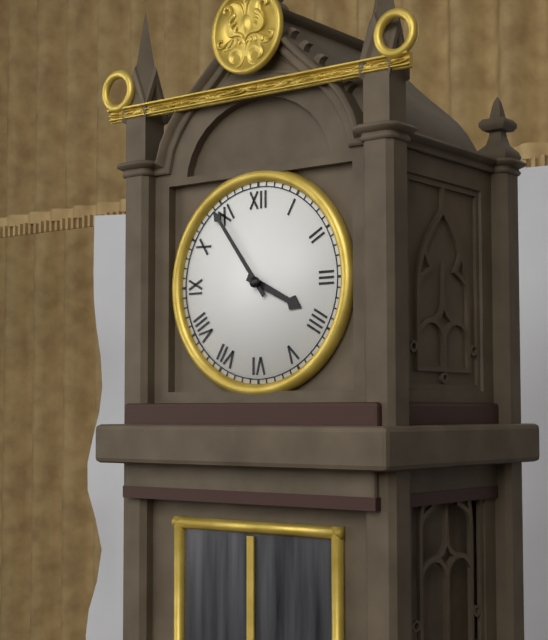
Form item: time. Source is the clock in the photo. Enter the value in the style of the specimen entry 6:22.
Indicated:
3:54
